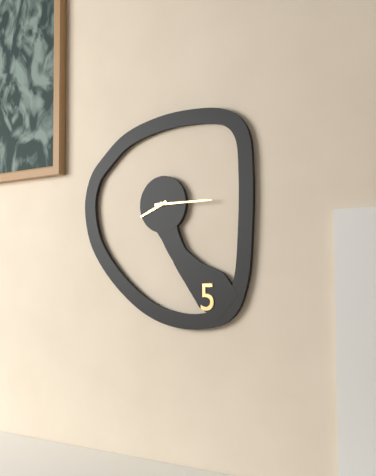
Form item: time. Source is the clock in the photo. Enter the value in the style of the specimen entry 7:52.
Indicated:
8:15
